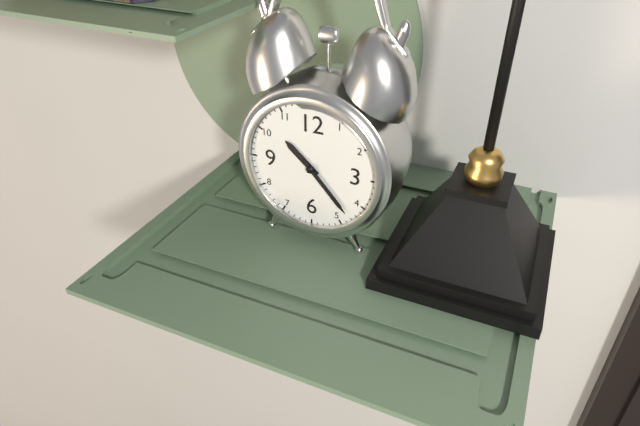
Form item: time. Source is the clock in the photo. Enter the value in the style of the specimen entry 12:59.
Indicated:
10:23
